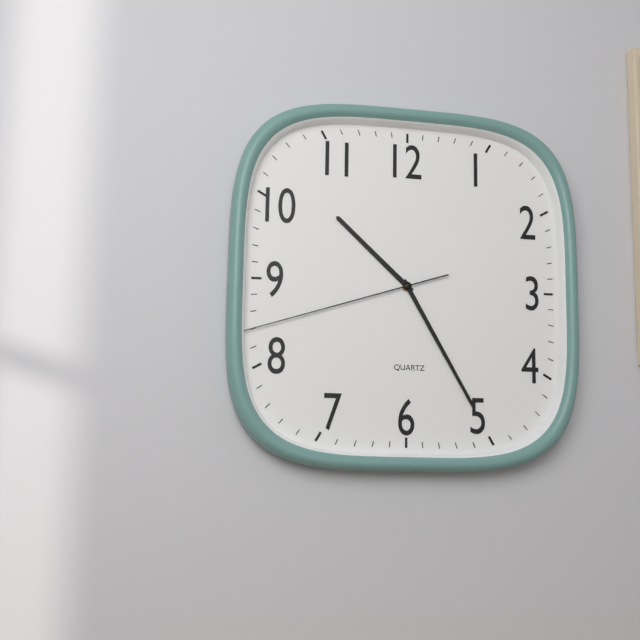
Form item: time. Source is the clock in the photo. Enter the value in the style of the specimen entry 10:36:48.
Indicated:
10:25:42
